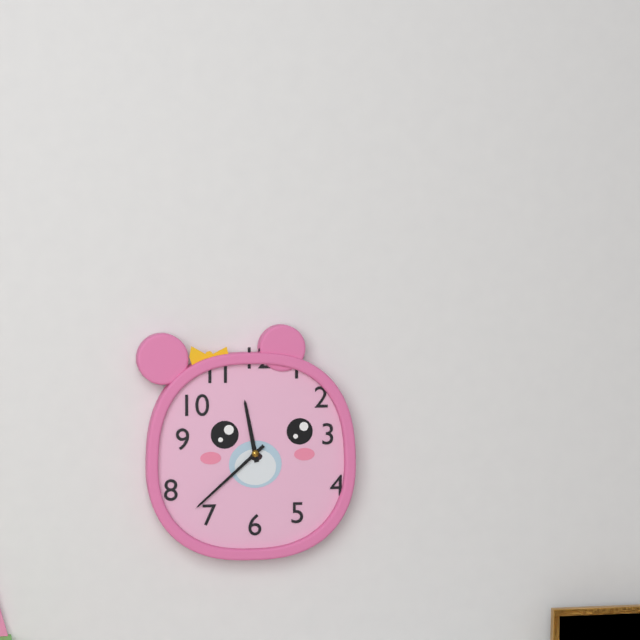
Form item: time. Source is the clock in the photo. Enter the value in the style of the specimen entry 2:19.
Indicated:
11:38
